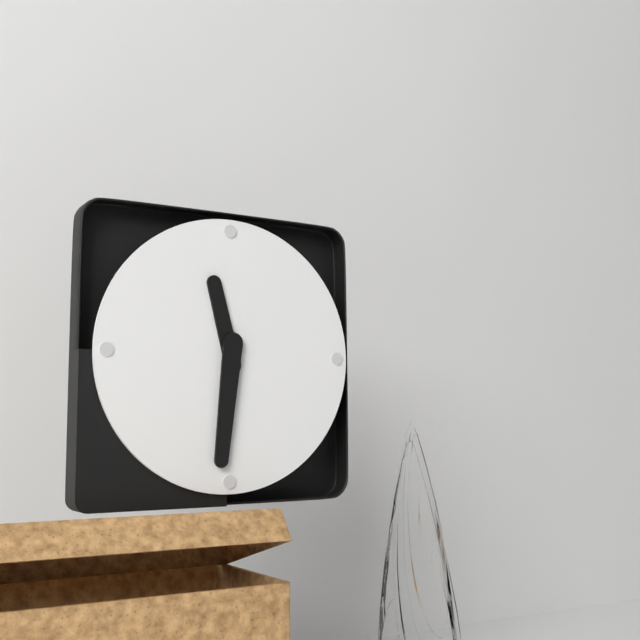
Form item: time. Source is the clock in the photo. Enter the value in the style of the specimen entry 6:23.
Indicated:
11:31
